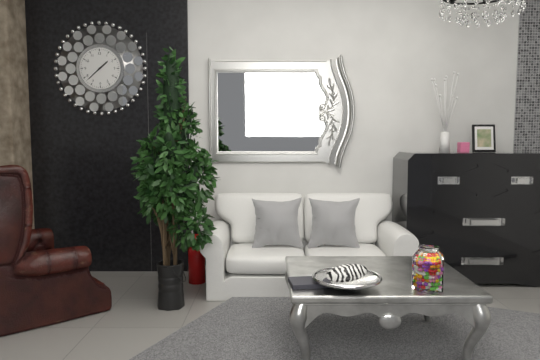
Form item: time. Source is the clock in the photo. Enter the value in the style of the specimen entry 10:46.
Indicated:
1:38
